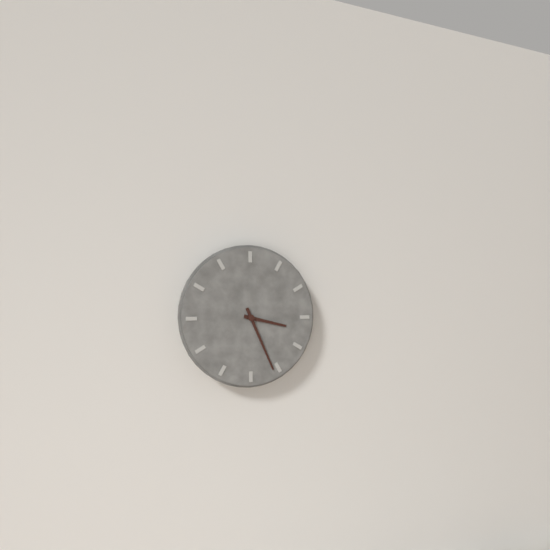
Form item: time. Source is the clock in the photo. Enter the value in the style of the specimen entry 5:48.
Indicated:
3:26
